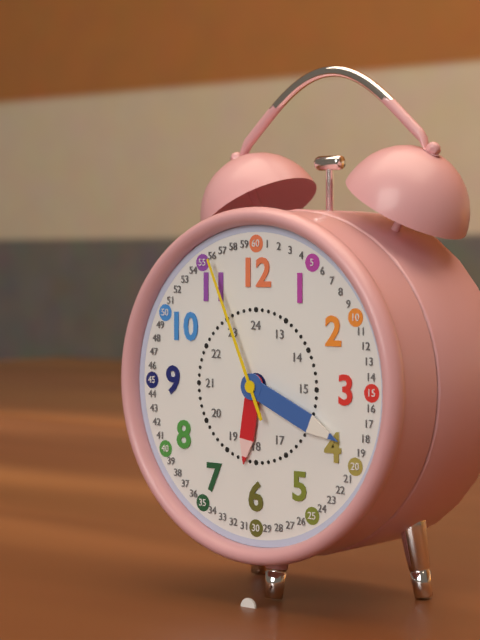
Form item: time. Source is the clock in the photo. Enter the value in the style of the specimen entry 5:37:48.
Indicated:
6:19:56
